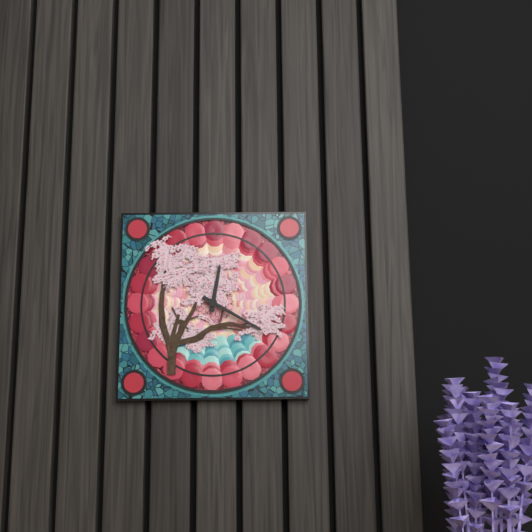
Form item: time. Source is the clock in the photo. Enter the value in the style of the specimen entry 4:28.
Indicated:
12:20
